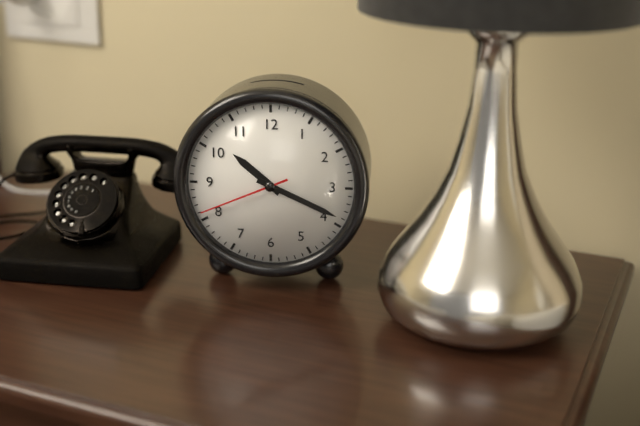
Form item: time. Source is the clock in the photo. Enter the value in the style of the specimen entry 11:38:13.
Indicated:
10:19:41
